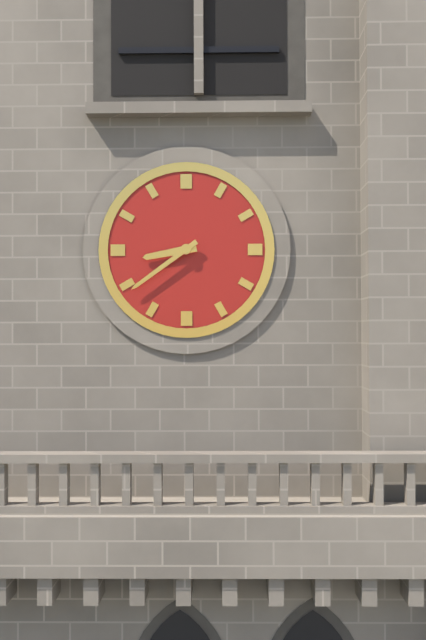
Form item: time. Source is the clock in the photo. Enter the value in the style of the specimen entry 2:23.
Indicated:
8:39
